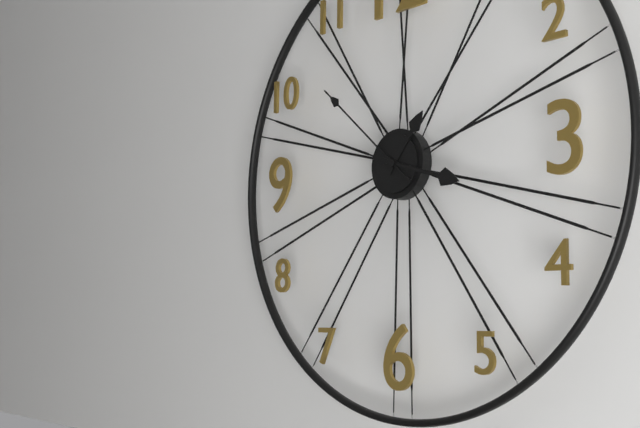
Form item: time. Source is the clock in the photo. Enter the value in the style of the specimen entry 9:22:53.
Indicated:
1:18:52
